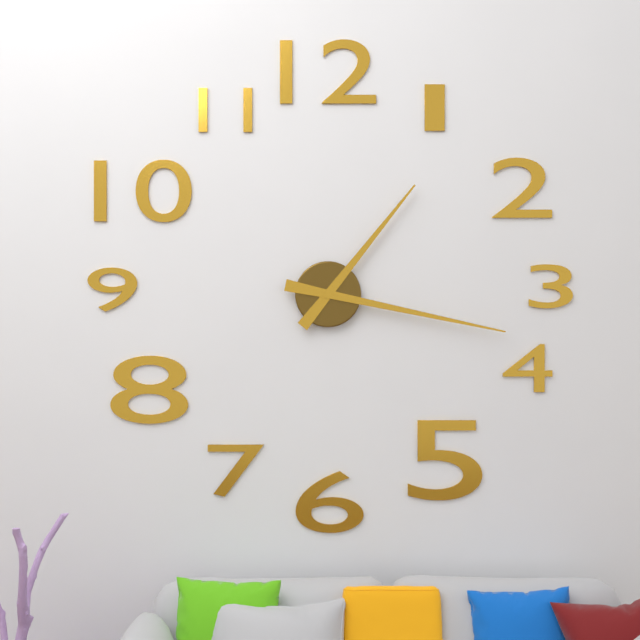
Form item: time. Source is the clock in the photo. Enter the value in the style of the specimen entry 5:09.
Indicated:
1:17
